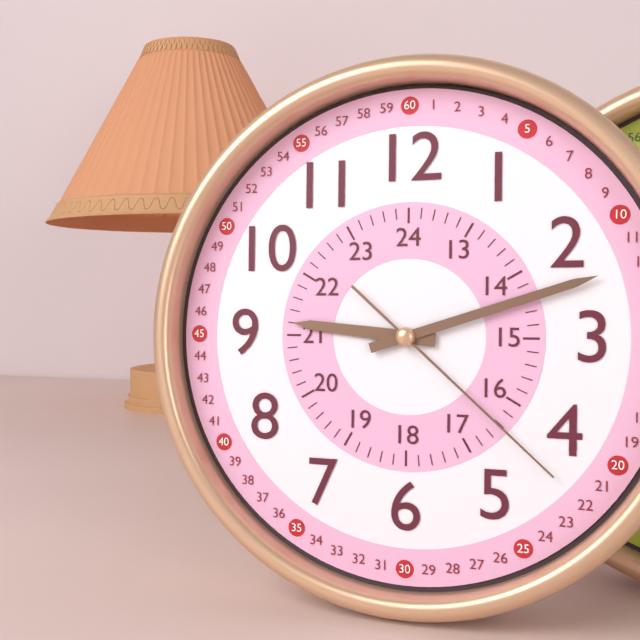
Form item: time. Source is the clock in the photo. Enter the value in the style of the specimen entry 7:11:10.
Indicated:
9:12:22
